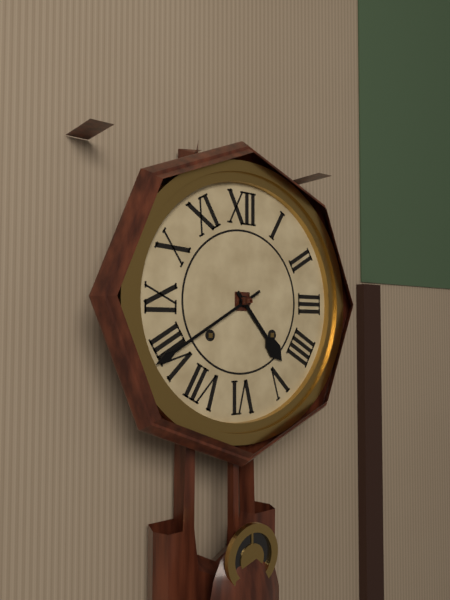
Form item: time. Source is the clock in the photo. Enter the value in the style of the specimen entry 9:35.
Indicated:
4:40
